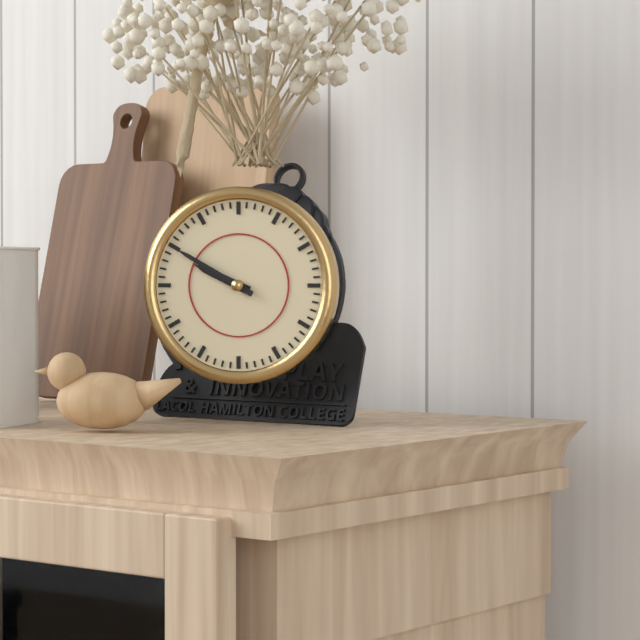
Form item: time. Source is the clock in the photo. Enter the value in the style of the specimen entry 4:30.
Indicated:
9:50
